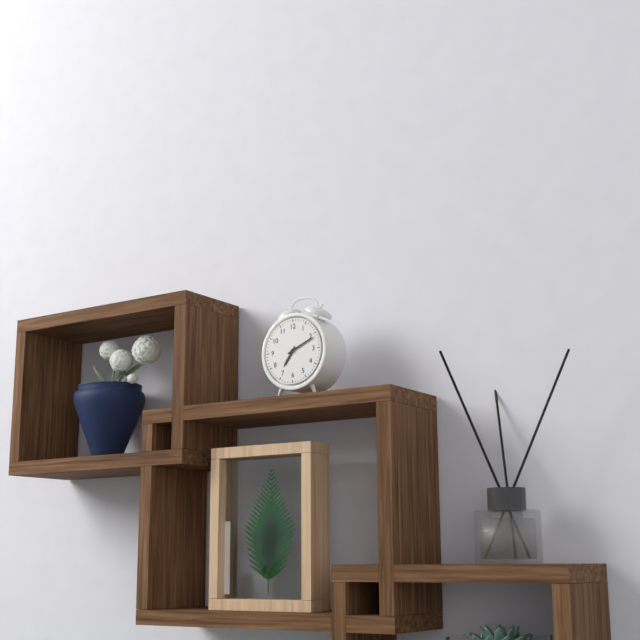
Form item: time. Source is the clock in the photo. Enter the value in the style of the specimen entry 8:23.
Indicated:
7:11
